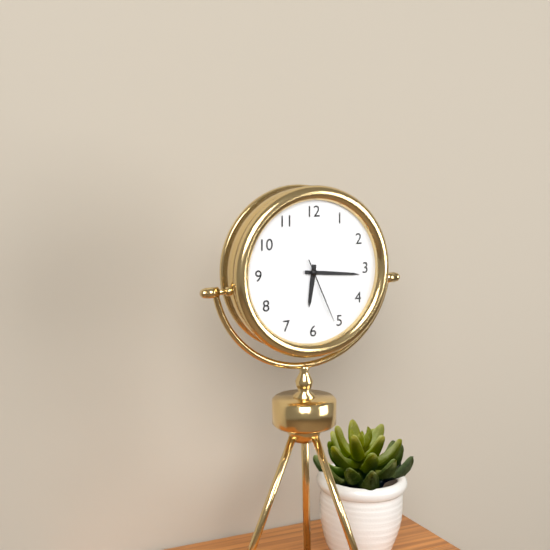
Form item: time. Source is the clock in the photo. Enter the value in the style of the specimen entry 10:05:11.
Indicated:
6:16:26
